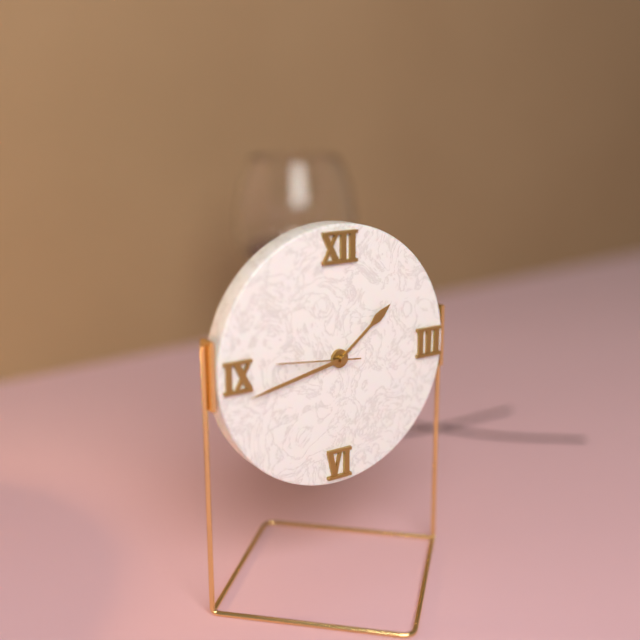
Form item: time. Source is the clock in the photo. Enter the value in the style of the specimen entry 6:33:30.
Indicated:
1:43:46
